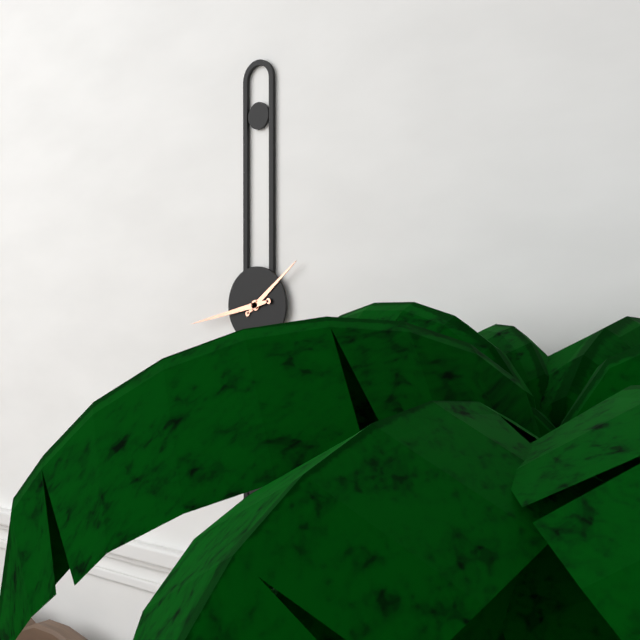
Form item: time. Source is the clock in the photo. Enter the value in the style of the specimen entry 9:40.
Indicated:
1:43
